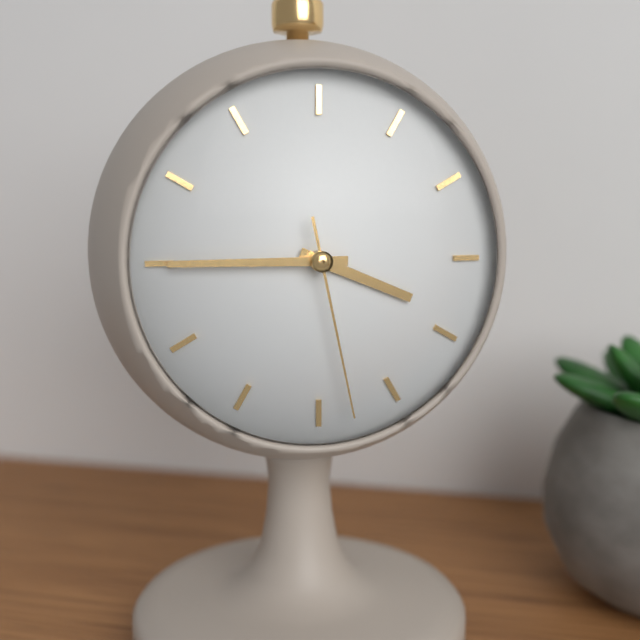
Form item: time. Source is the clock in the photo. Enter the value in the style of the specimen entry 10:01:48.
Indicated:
3:45:28
